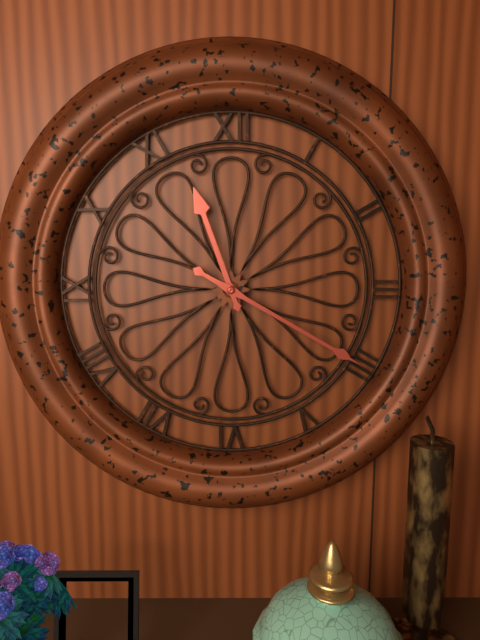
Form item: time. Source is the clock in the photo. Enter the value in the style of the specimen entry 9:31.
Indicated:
11:20
